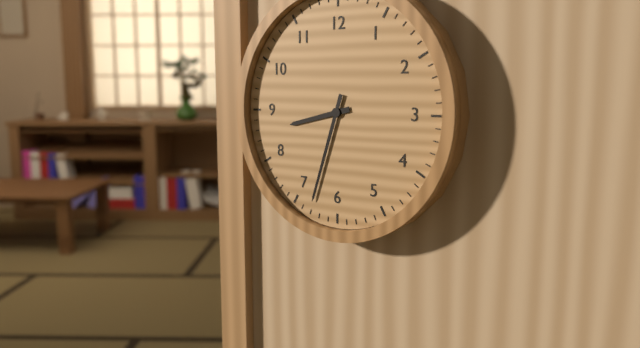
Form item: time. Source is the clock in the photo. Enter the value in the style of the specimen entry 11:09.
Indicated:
8:33
